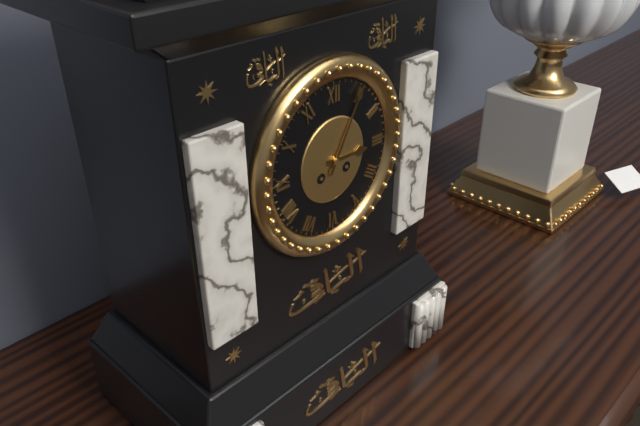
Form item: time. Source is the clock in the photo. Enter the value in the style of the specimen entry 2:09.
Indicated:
3:05
